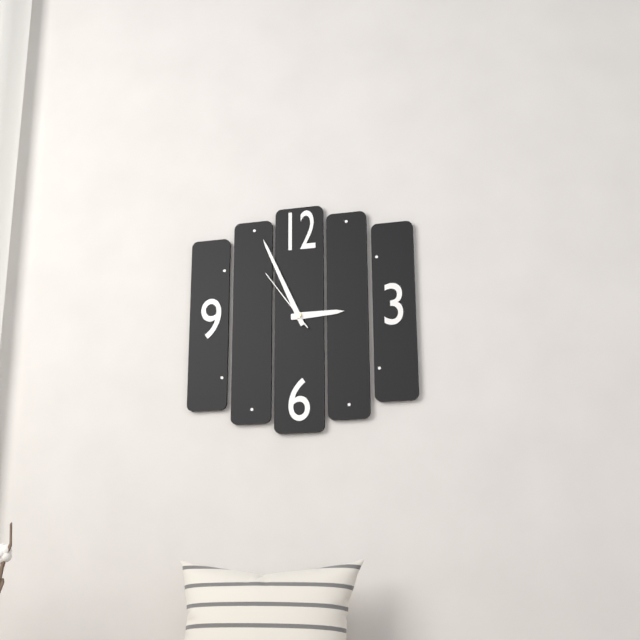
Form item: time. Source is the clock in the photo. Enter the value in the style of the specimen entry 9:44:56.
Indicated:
2:56:54
